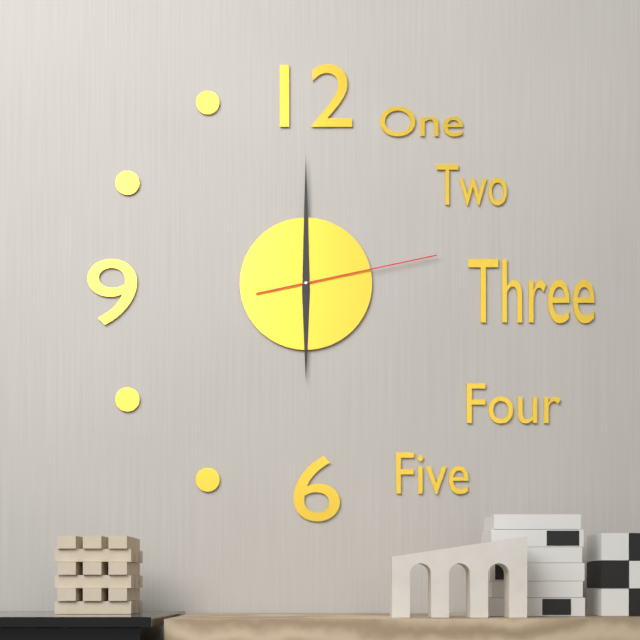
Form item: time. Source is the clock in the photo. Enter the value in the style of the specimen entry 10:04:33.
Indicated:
6:00:13
